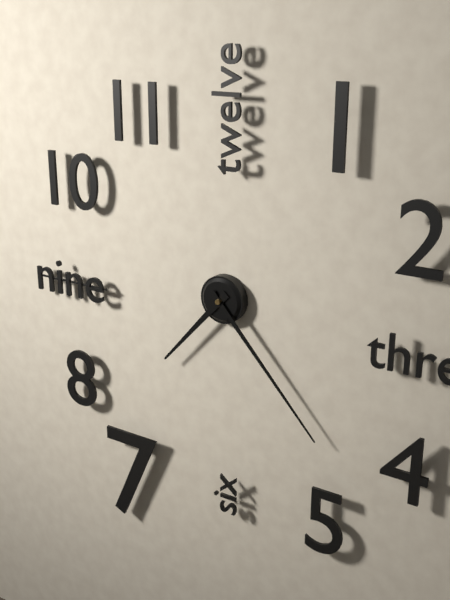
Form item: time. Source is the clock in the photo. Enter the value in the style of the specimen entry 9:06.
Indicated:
7:23
